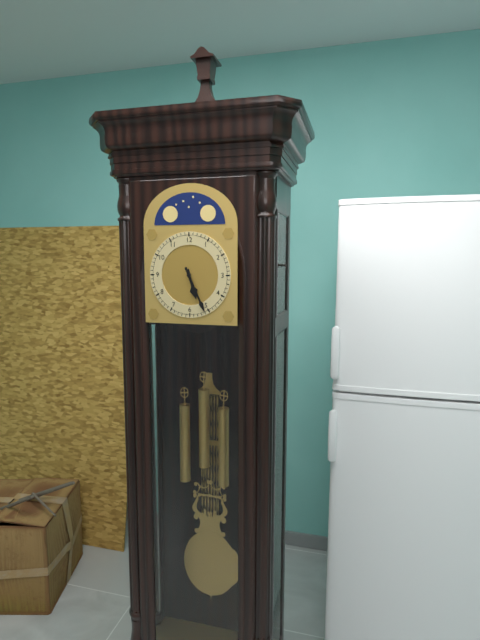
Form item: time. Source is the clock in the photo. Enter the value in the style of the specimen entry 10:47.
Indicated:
5:26
